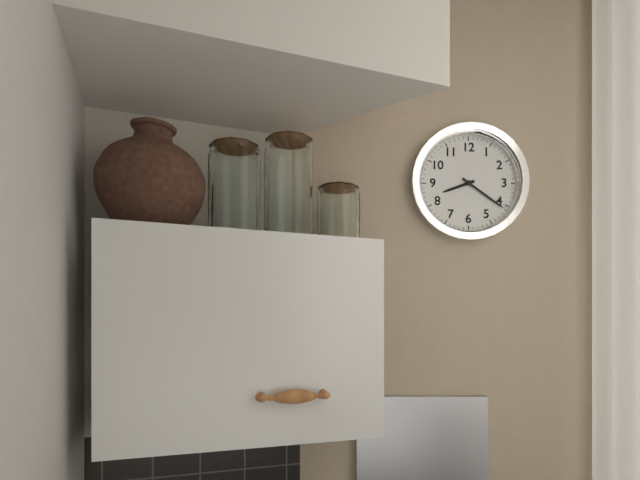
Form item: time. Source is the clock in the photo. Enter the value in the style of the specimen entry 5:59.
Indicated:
8:21
